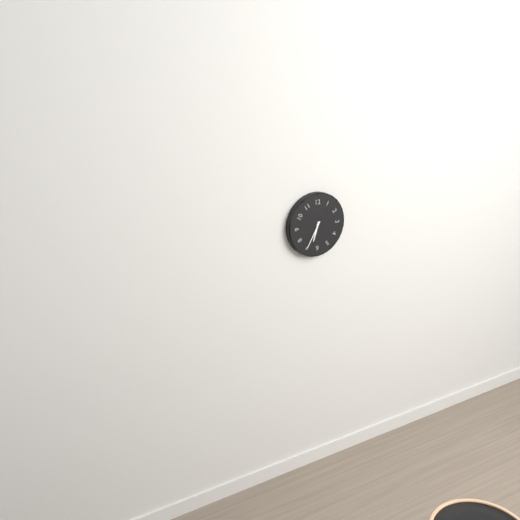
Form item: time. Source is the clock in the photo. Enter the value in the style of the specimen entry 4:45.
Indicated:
6:35
